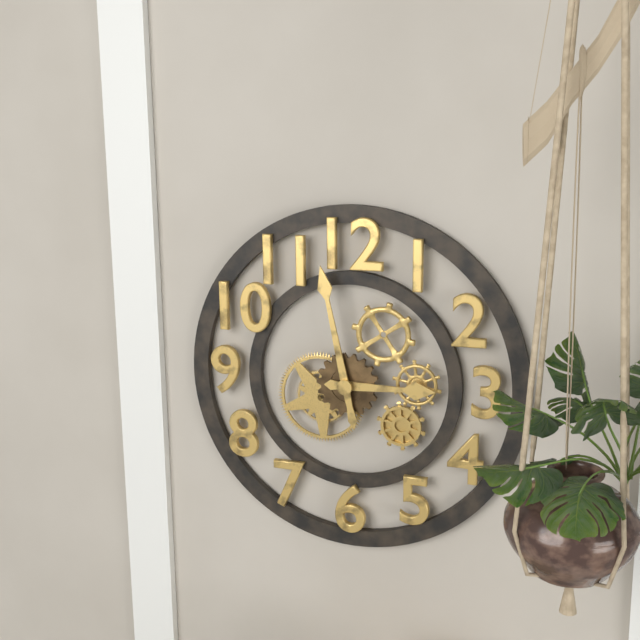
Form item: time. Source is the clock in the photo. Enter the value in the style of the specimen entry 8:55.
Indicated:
2:58
